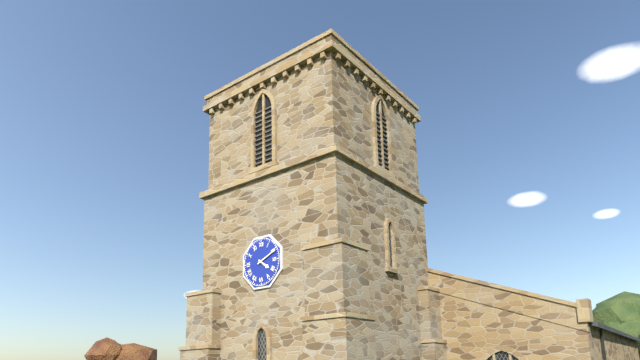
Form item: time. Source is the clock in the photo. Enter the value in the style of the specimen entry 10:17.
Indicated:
4:11
